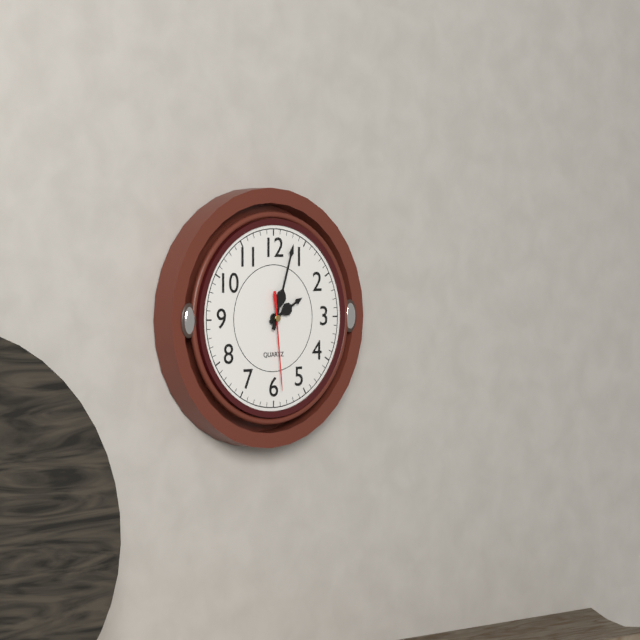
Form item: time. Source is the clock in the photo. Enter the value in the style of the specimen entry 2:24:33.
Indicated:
2:03:29
